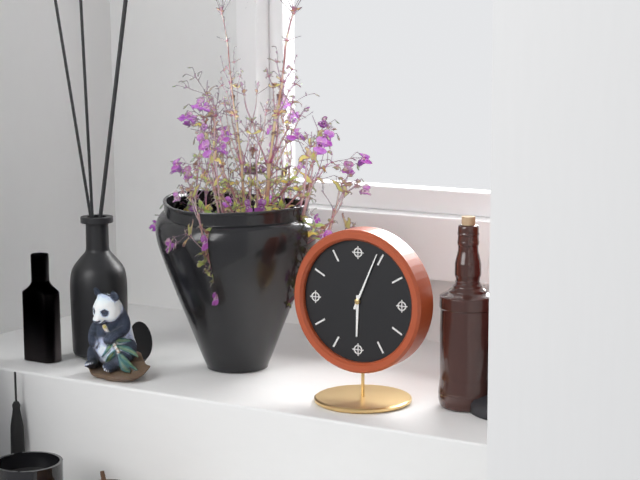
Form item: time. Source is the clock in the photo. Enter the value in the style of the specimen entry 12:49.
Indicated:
6:04
